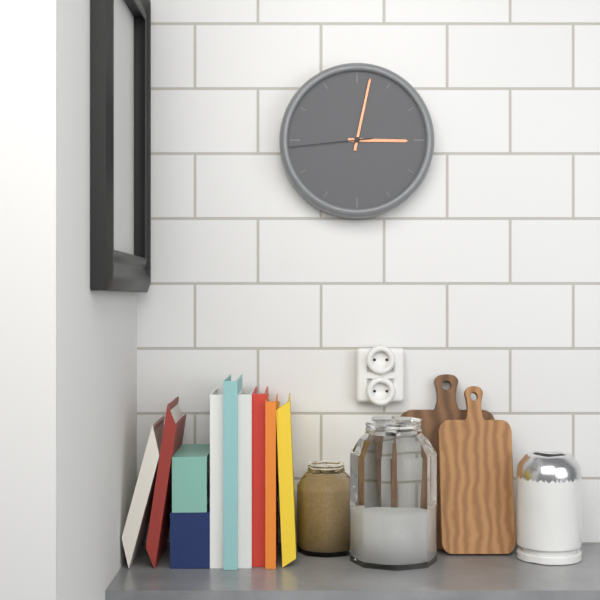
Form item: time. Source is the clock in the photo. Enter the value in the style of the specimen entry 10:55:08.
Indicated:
3:02:44
